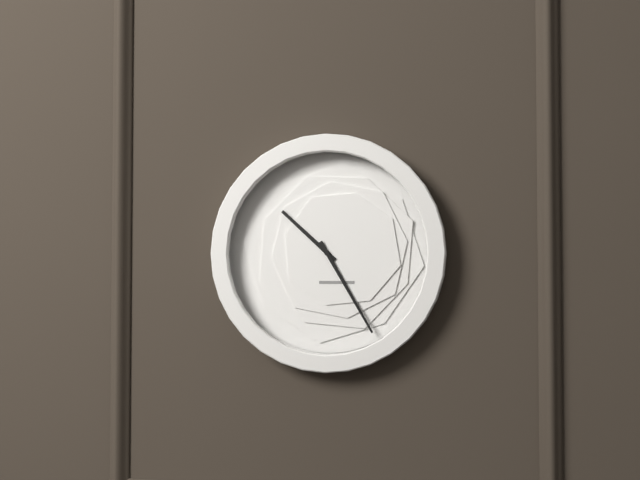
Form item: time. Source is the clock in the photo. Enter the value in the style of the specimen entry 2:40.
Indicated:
10:25
